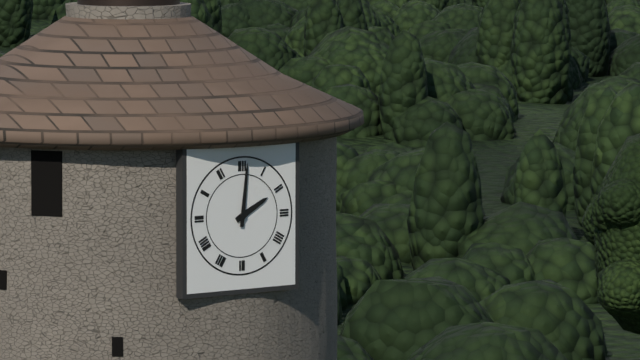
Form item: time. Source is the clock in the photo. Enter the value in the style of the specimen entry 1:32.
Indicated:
2:01
